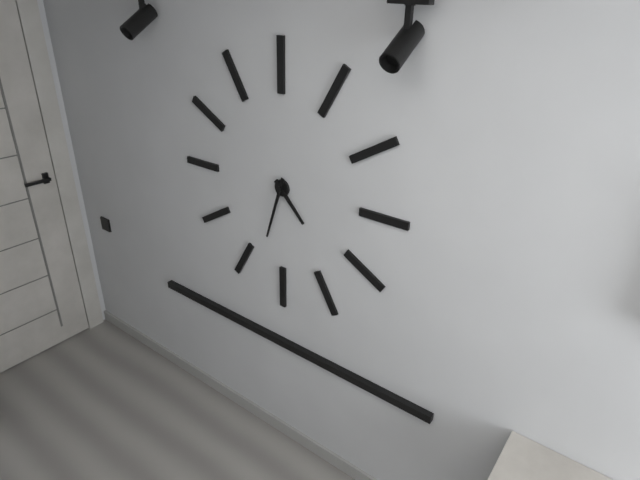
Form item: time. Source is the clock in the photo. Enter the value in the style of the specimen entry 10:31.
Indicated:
4:33
